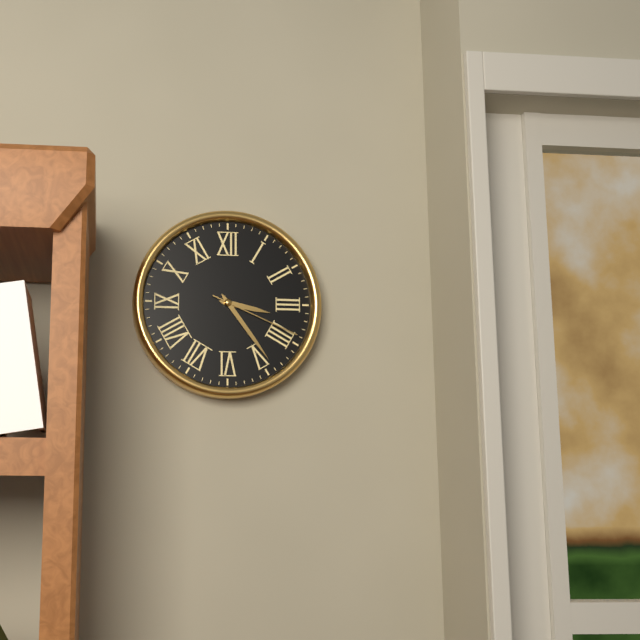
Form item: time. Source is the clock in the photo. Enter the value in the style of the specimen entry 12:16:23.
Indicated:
3:24:19
